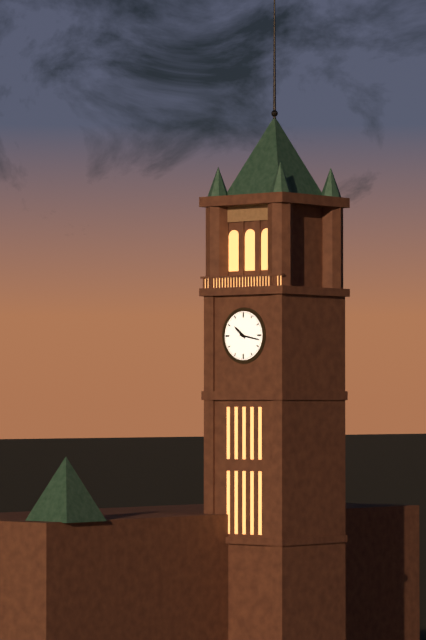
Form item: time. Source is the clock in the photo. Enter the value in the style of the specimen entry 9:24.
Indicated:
10:17
